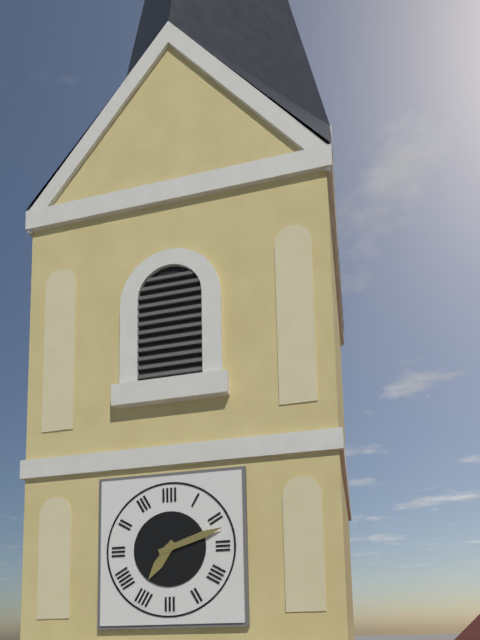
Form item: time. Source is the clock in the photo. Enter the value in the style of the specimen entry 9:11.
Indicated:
7:12
